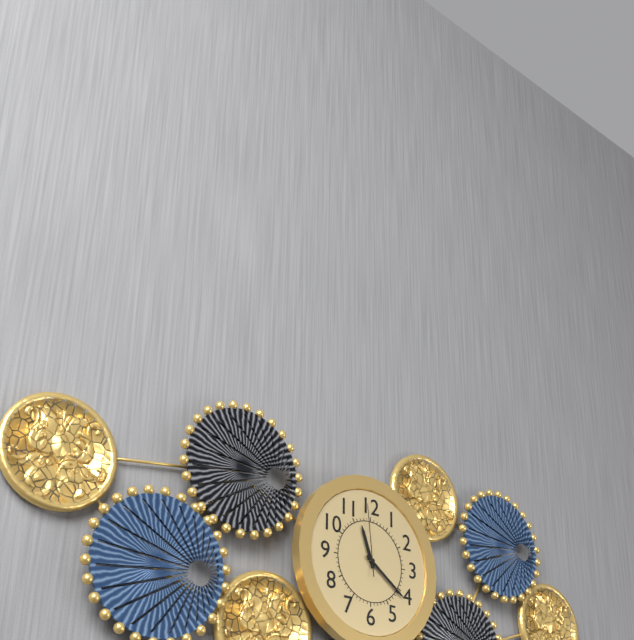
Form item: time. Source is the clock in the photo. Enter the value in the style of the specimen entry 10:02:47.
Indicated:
11:21:59
